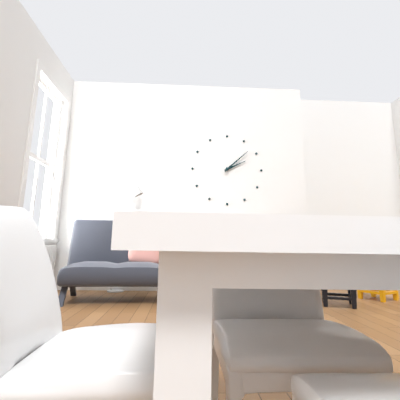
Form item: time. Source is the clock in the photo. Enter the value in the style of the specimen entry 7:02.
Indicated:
2:08
